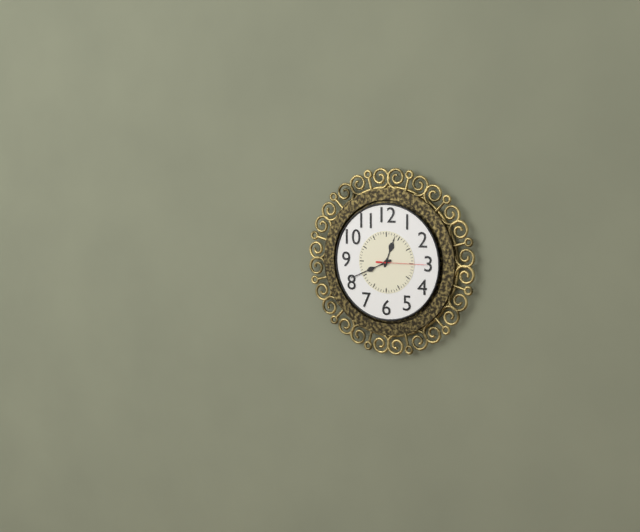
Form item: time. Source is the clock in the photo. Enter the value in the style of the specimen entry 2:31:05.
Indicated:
12:41:15
